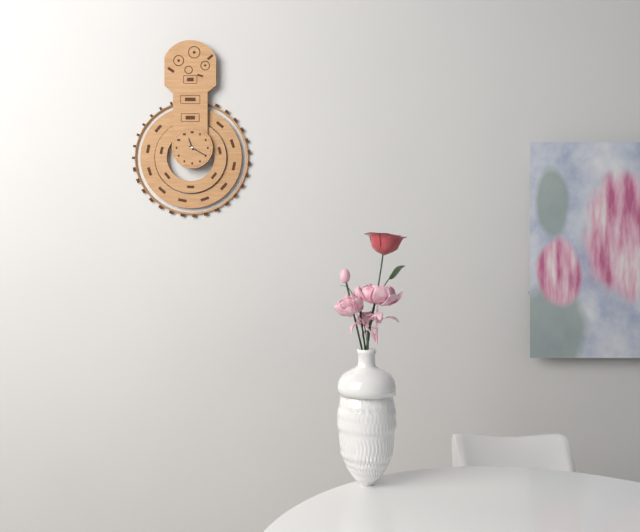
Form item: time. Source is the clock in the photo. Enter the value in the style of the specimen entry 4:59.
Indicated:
11:20
